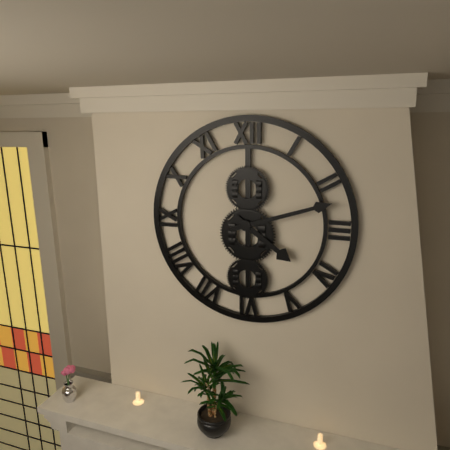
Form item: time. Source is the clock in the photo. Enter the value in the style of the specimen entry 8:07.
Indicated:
4:12
